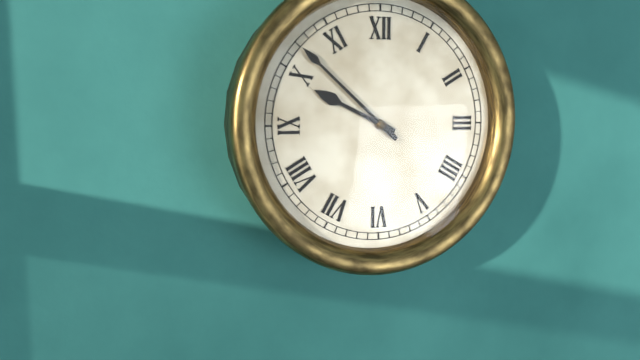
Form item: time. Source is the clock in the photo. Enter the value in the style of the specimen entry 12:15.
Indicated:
9:52
